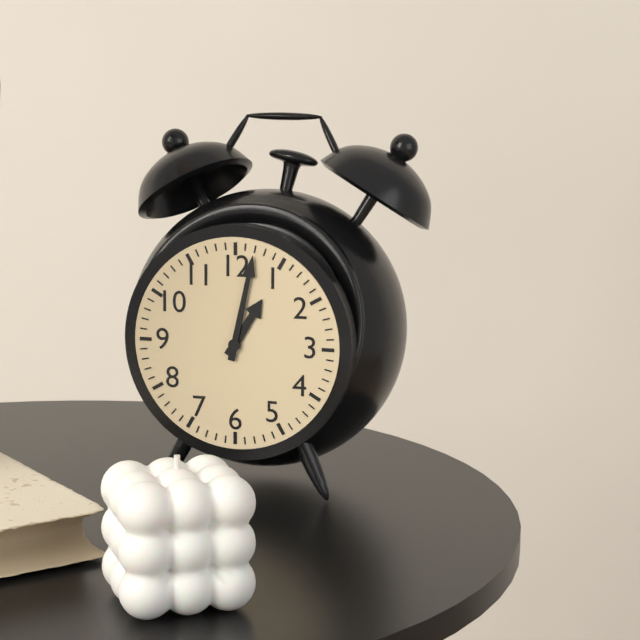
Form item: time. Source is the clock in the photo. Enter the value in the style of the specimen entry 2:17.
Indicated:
1:02
